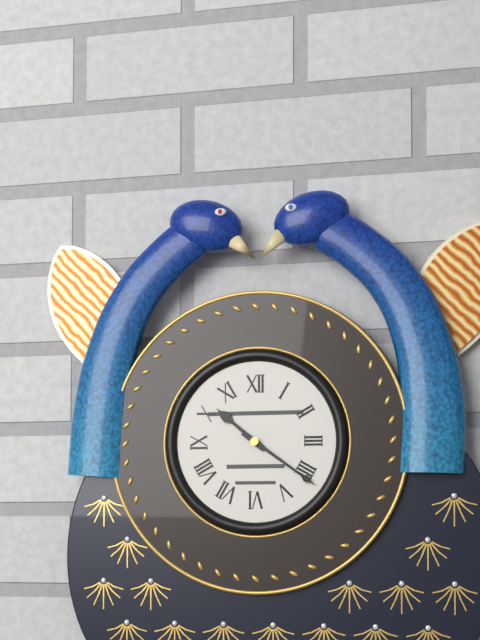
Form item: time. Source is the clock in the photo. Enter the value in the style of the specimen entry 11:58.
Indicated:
10:21
